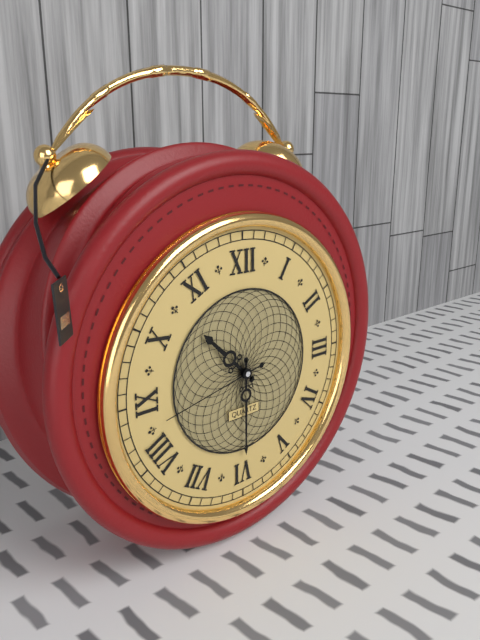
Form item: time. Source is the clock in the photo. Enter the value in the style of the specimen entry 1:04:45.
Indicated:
10:30:43
